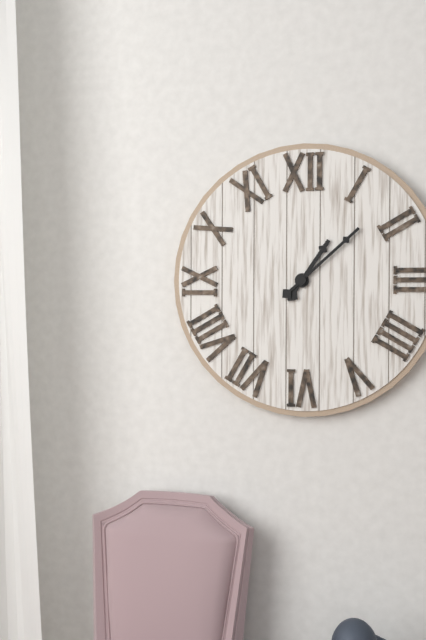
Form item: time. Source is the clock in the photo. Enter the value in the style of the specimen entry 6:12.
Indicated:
1:08
